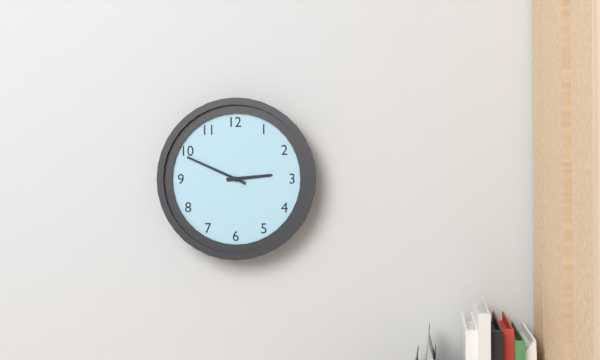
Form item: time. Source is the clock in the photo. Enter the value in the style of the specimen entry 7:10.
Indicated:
2:49
